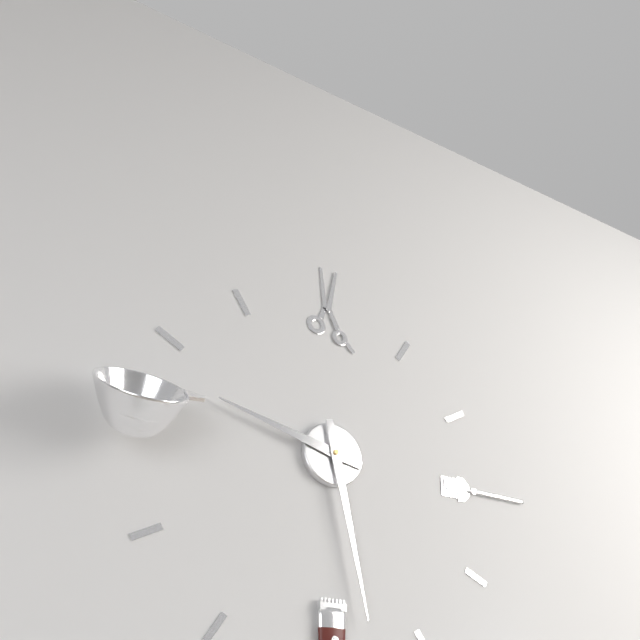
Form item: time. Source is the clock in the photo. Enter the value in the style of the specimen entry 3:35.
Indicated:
9:28
